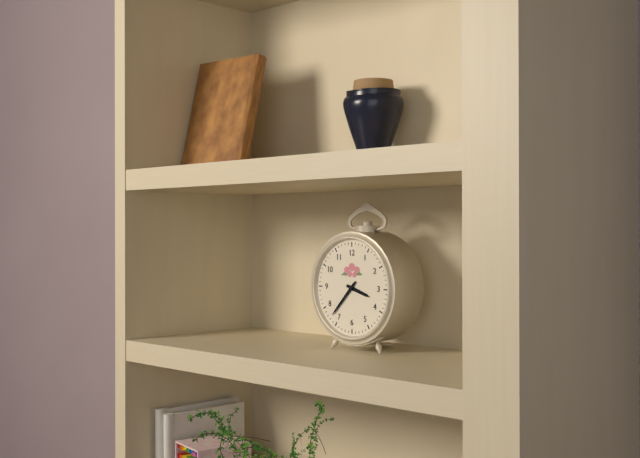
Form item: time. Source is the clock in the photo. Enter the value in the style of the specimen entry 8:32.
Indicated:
3:37
